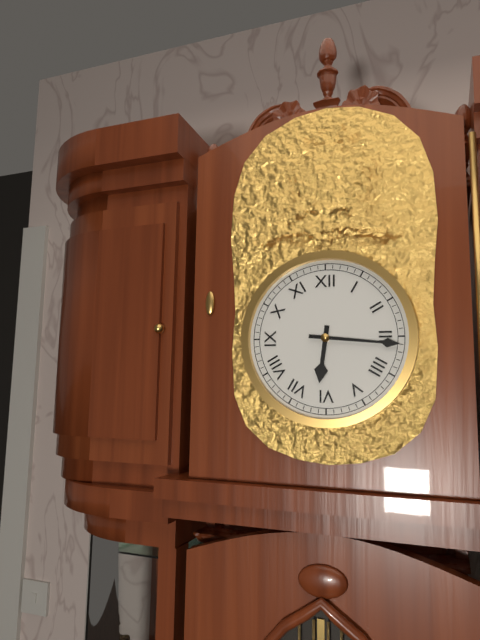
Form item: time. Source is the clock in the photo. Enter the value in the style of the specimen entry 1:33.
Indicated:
6:16
